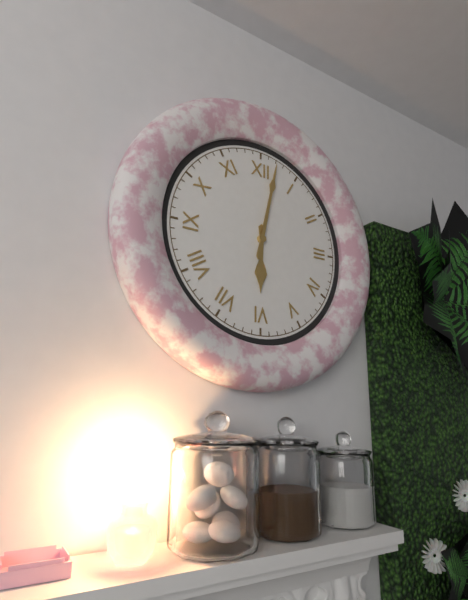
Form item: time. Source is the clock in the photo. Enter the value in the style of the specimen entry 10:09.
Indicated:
6:02
